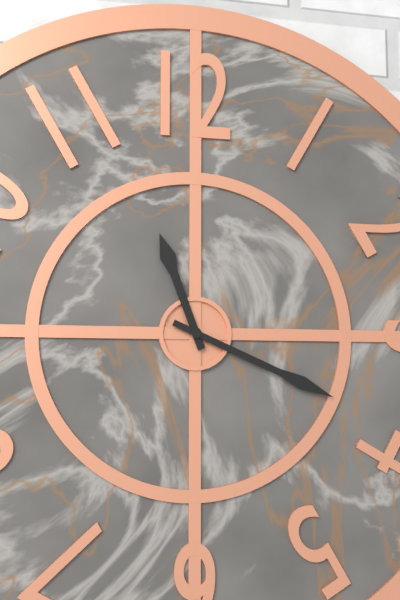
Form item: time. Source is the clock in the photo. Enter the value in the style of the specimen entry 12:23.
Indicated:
11:19
